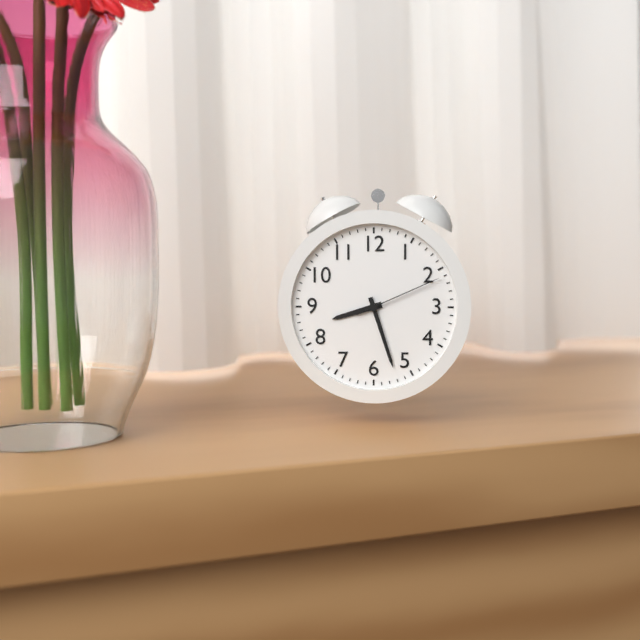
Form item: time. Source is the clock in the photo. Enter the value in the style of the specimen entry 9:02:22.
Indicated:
8:27:11
